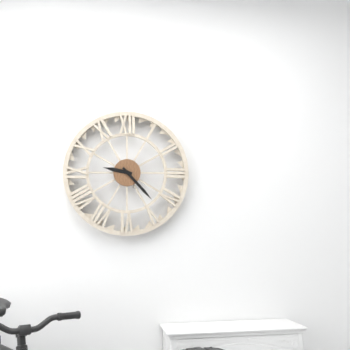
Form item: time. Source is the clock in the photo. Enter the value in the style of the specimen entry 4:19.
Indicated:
9:23
